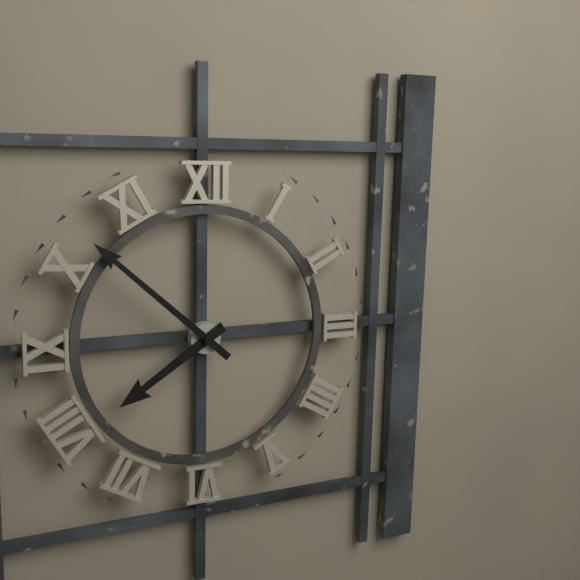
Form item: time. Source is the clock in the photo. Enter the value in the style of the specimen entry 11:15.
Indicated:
7:52
